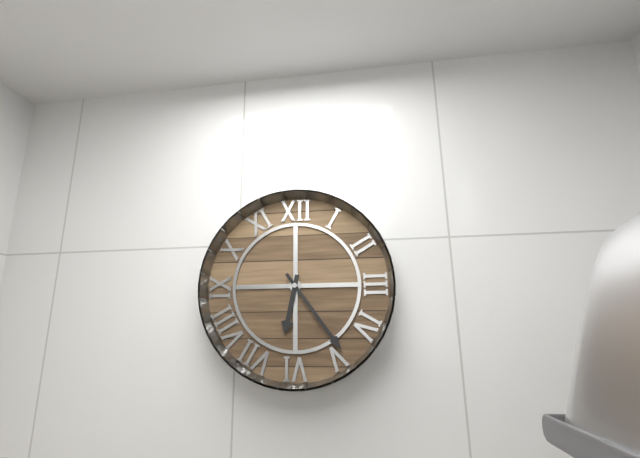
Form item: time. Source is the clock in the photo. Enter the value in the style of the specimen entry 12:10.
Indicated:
6:24
